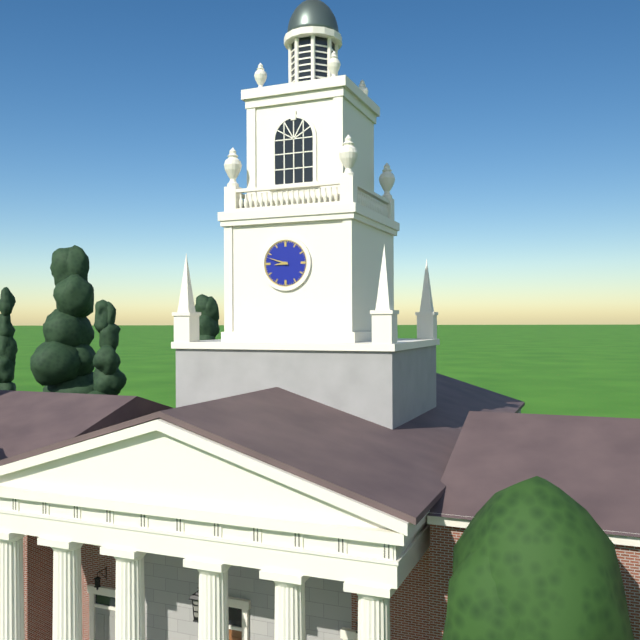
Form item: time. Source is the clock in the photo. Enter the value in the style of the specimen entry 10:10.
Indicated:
8:48
